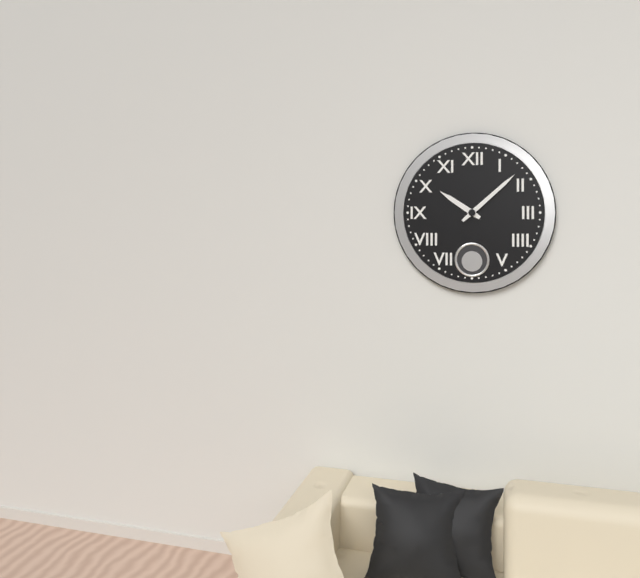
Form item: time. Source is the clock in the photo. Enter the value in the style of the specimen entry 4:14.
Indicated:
10:08
